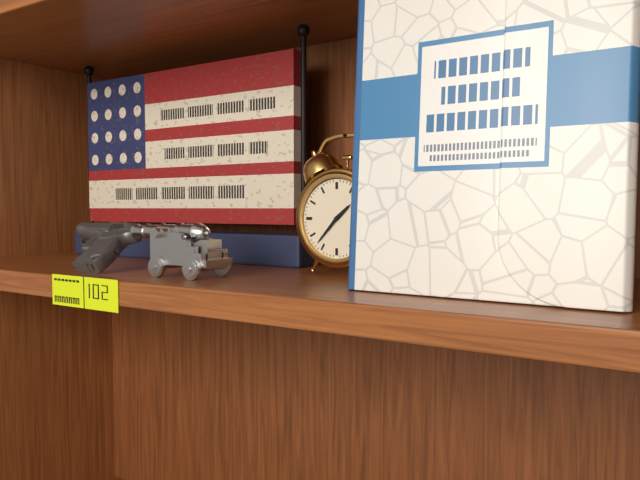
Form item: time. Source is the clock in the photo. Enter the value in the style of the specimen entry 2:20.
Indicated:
1:37
